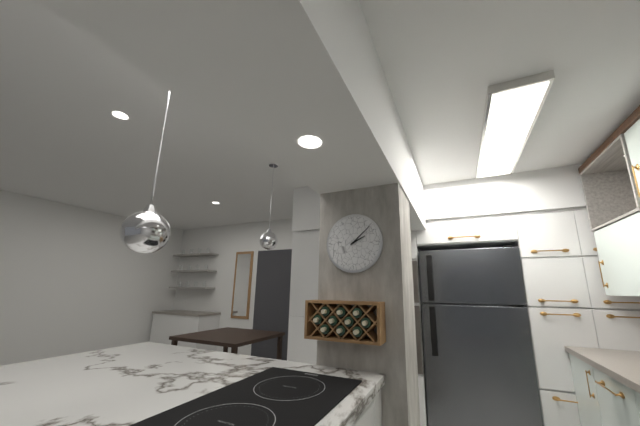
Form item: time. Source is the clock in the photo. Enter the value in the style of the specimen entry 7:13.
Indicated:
2:08
